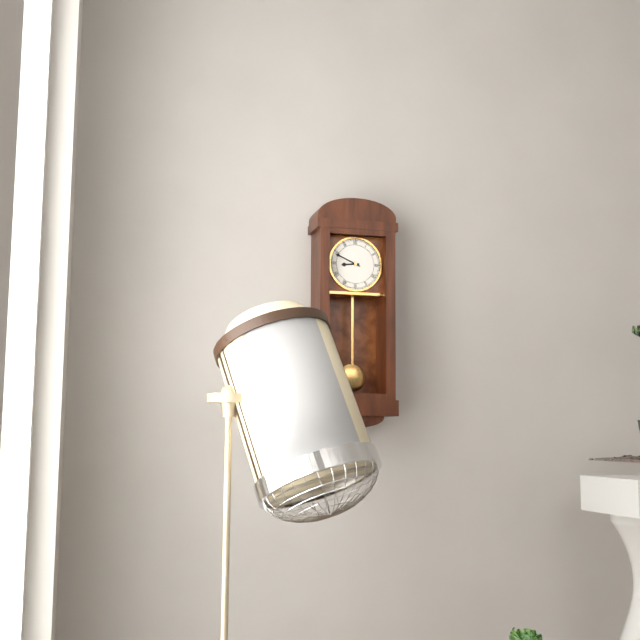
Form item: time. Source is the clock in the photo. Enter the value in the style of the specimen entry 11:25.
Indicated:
8:49
